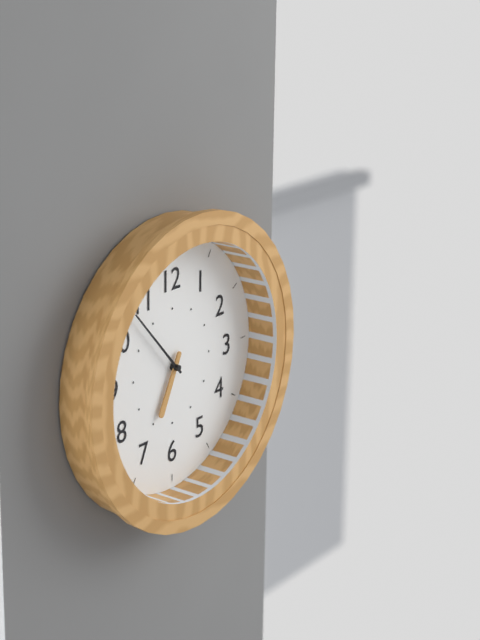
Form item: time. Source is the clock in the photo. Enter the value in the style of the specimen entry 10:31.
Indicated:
6:53
